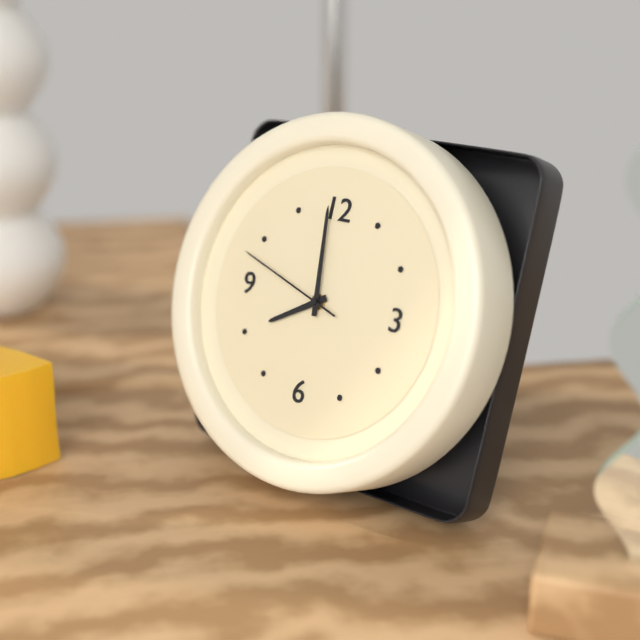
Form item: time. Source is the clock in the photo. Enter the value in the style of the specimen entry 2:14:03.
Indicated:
7:59:48
